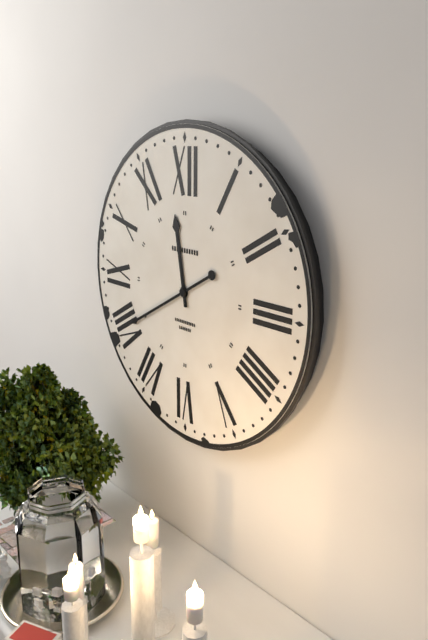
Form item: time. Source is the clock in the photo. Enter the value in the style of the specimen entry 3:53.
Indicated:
11:40
